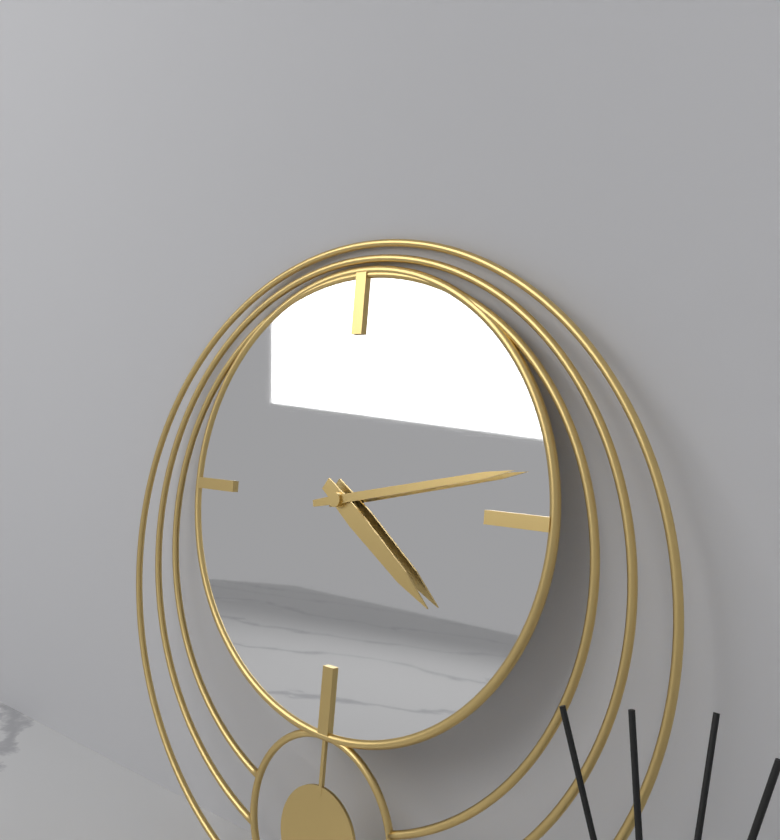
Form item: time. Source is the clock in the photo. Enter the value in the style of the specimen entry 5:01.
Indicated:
4:13
